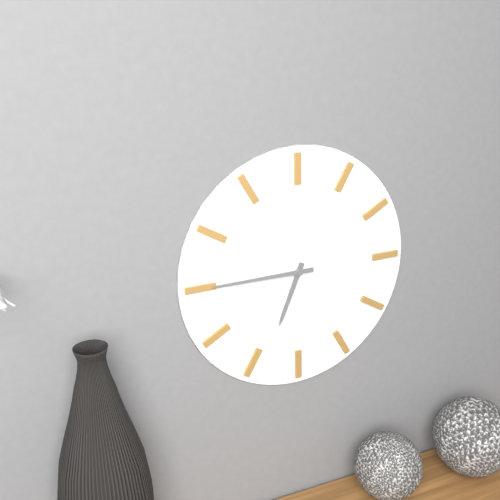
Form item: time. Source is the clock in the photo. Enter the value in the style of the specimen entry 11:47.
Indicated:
6:45
